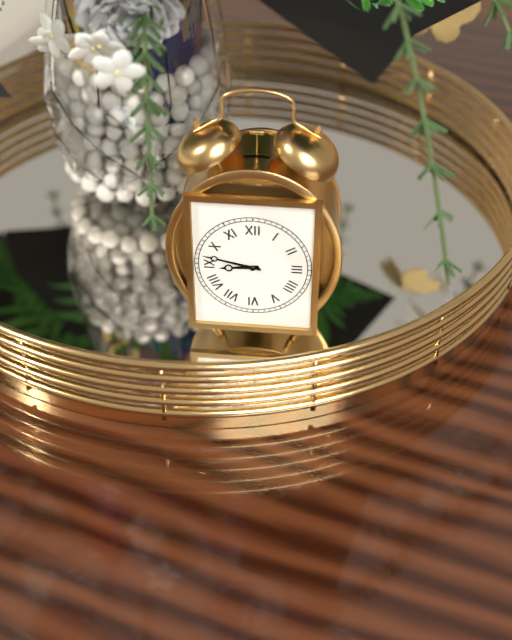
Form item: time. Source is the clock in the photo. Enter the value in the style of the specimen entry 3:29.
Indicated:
8:47
